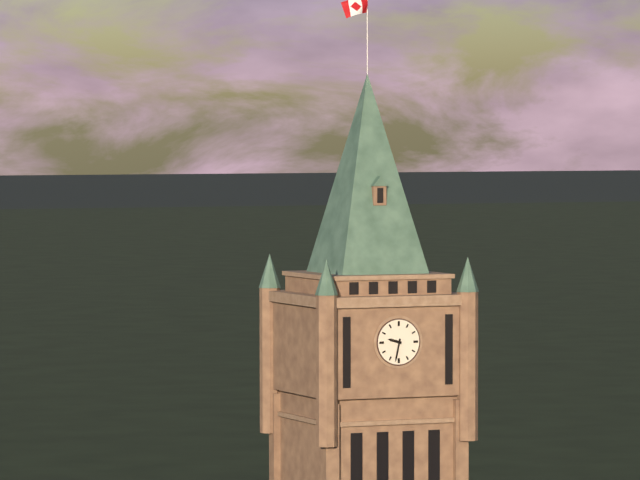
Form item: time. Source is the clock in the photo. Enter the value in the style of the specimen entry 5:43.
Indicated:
9:32
